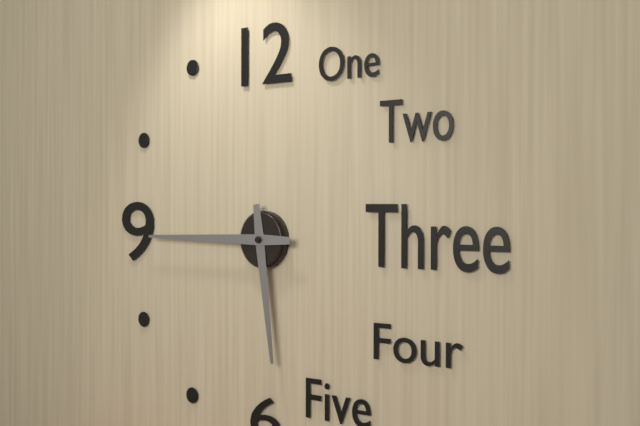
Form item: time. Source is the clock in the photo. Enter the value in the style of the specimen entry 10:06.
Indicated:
5:45
